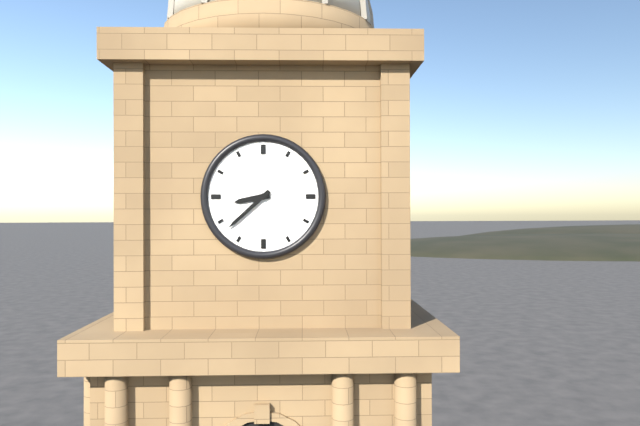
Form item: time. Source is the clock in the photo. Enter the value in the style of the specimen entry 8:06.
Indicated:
8:38
